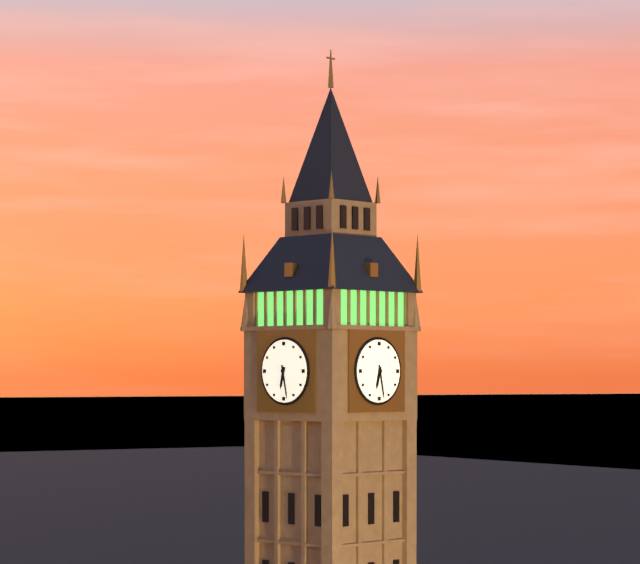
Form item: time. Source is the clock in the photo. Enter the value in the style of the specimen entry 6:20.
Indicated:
6:28
